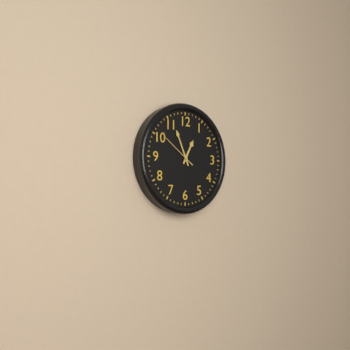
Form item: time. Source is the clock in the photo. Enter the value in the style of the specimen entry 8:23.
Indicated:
12:56
